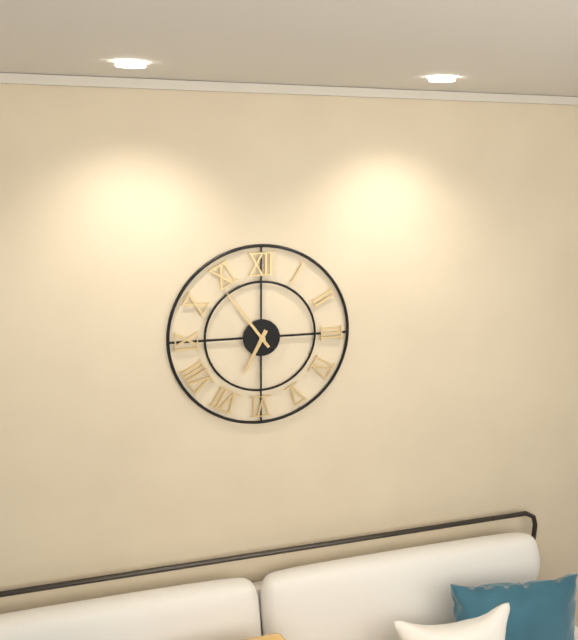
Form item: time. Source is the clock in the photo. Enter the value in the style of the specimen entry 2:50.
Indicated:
6:54
